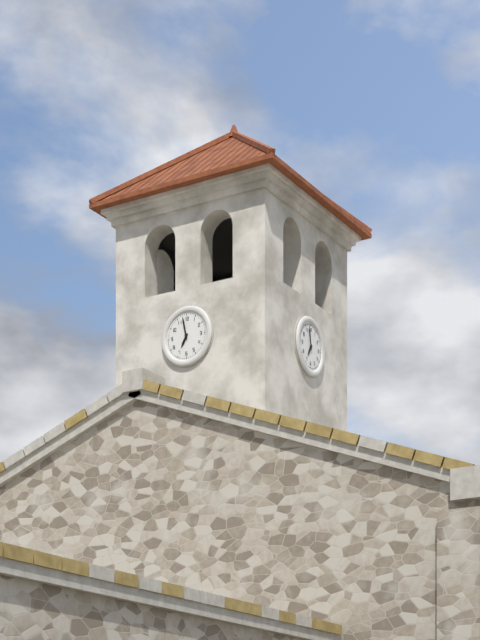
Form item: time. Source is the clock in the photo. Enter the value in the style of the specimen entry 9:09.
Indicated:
6:58
